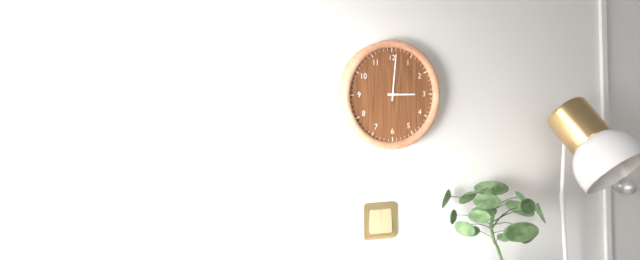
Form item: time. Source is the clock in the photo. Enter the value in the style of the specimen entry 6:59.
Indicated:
3:01
